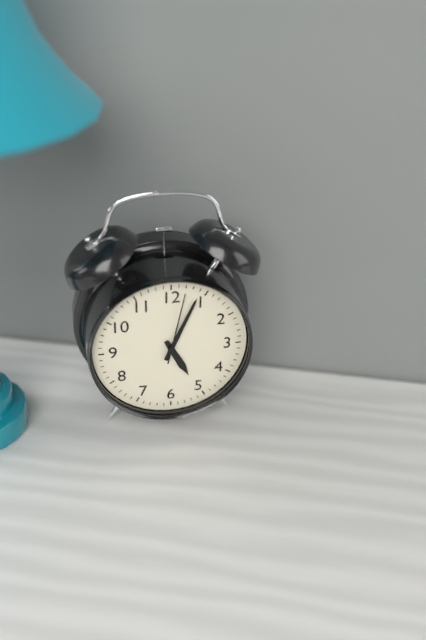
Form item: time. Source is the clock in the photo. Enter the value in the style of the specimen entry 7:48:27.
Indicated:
5:04:02
